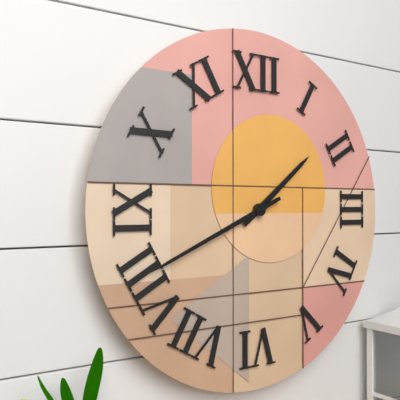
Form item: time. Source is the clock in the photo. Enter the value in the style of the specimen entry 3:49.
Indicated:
1:41
